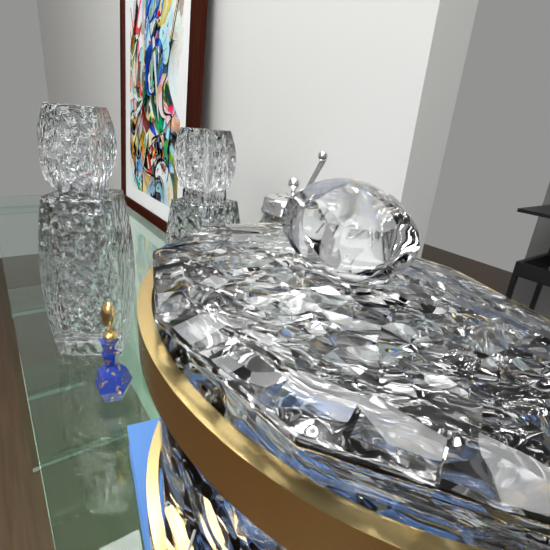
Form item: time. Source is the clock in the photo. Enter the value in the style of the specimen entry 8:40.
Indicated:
1:44
